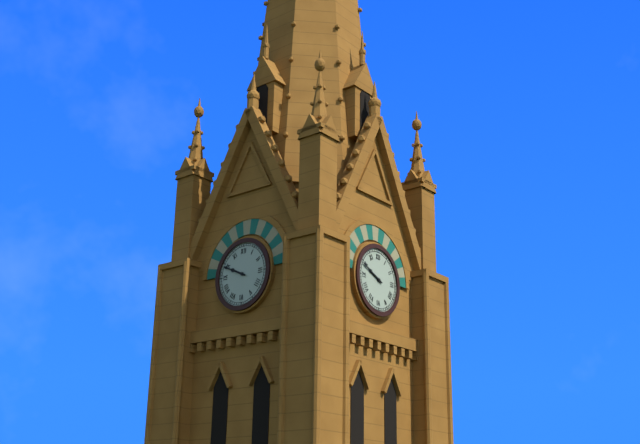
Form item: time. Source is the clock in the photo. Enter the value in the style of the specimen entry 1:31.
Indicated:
9:49
